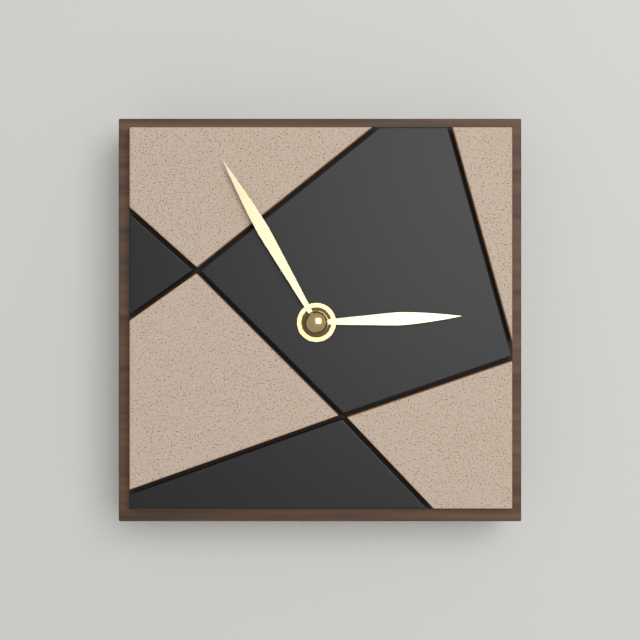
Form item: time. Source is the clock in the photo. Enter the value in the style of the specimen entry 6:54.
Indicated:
2:55
